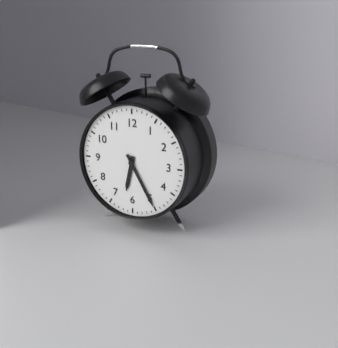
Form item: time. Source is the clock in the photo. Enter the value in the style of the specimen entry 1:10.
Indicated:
6:25
